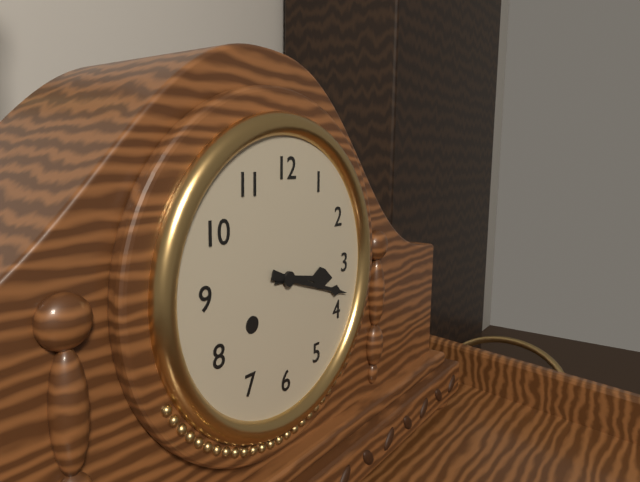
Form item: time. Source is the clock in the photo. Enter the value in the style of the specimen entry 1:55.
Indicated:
3:18
